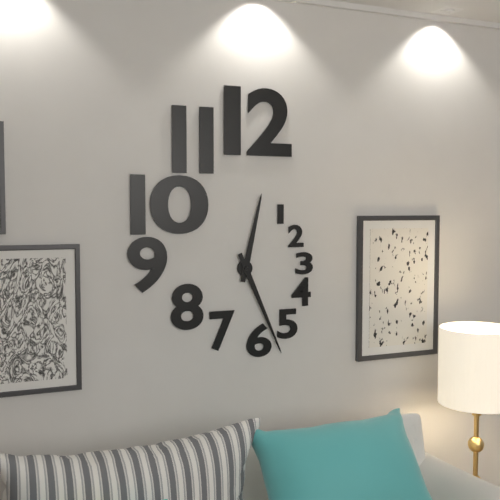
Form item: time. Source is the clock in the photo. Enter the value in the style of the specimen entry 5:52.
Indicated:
12:26
